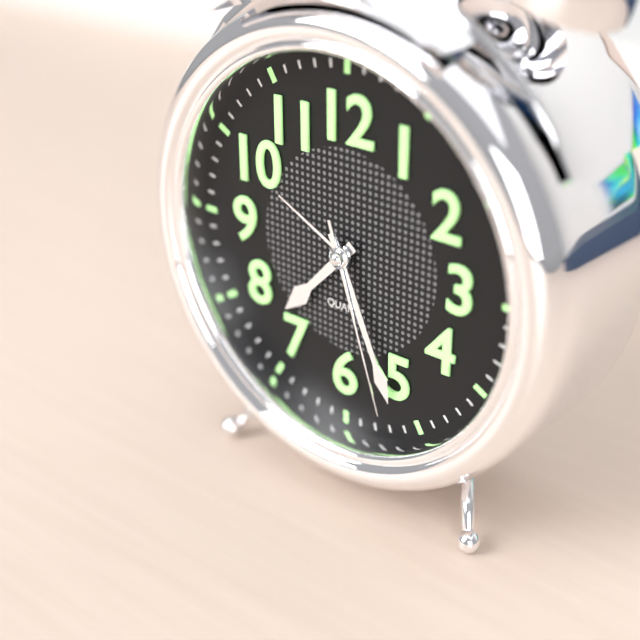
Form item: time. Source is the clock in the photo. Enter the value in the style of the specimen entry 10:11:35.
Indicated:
7:26:27
